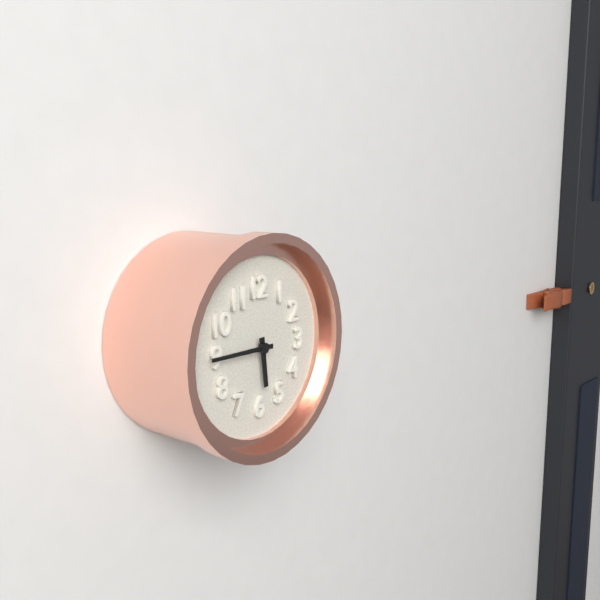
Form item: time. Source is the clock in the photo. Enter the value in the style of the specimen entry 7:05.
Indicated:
5:45
